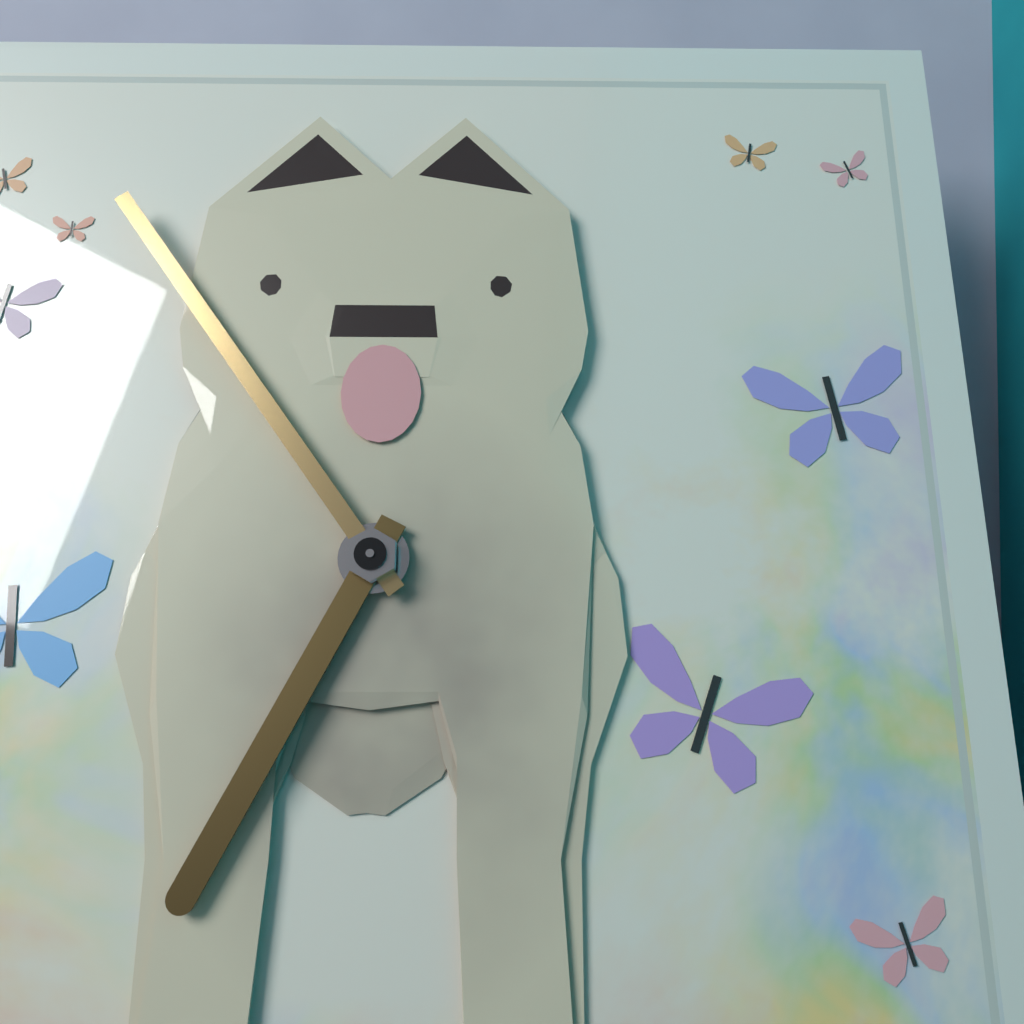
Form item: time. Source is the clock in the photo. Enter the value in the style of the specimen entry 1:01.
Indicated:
6:54
